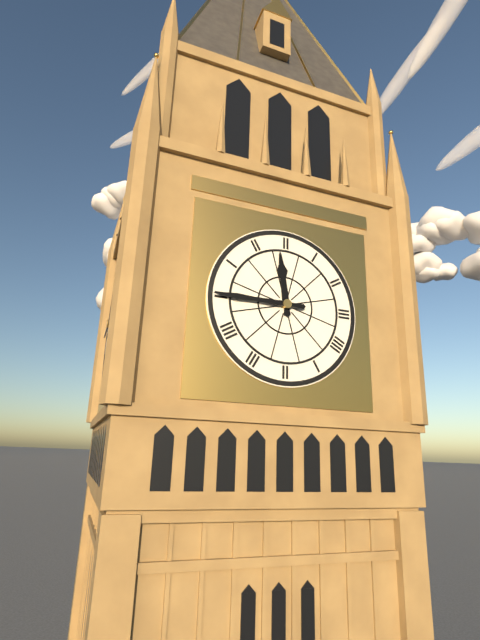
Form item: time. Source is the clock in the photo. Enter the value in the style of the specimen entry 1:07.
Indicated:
11:45
